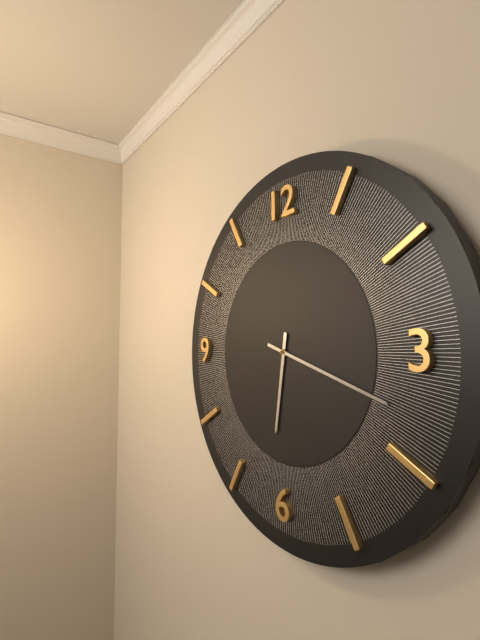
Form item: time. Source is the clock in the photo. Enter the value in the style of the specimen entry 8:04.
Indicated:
6:18
